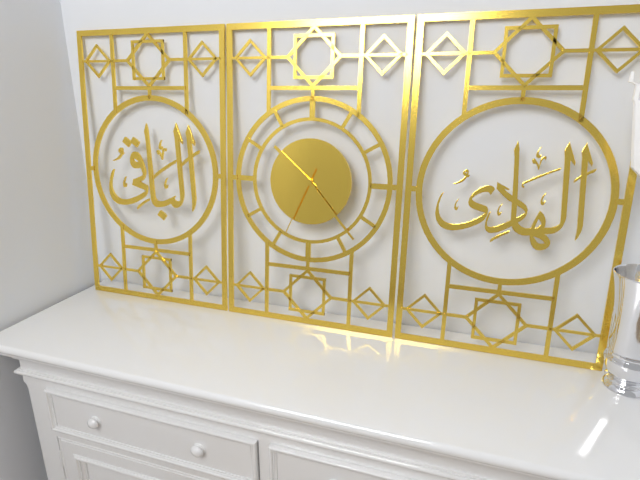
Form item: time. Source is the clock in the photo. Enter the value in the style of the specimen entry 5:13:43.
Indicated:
10:23:34
